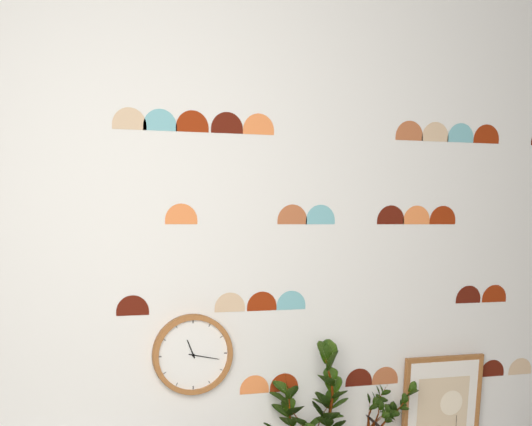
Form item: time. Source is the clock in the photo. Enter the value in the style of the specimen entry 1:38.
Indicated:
11:17
